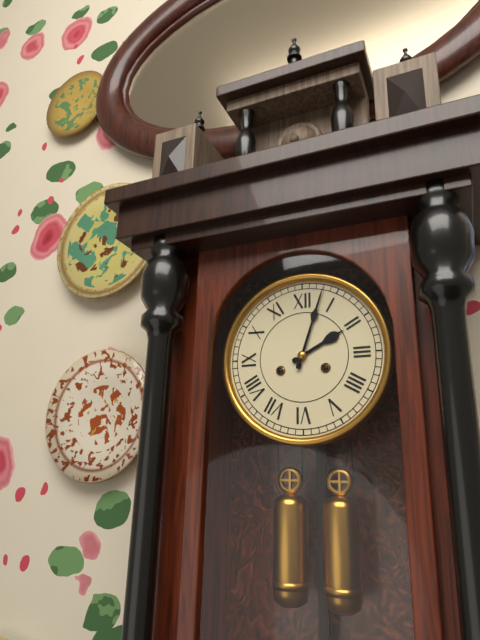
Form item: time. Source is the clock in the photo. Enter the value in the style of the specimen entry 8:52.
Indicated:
2:03
